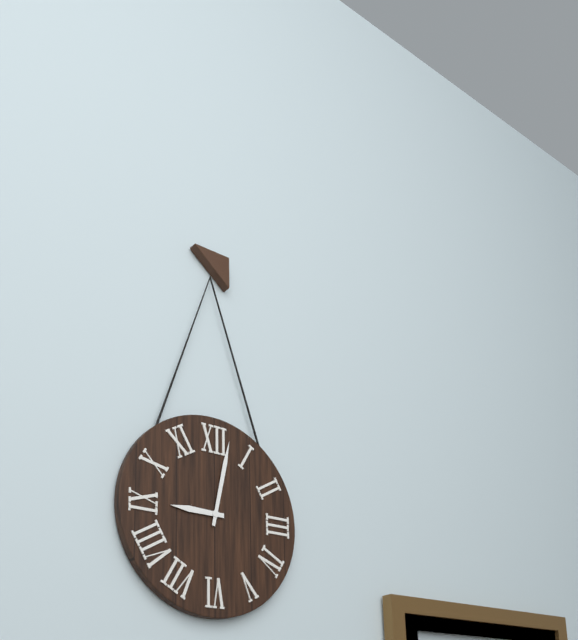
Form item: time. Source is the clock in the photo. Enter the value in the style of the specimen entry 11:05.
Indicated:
9:02
